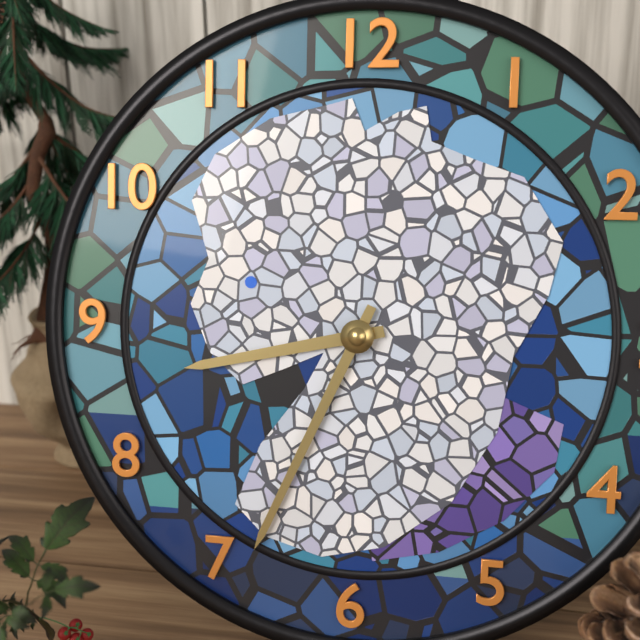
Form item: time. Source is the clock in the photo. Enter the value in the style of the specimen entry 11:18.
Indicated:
8:34
